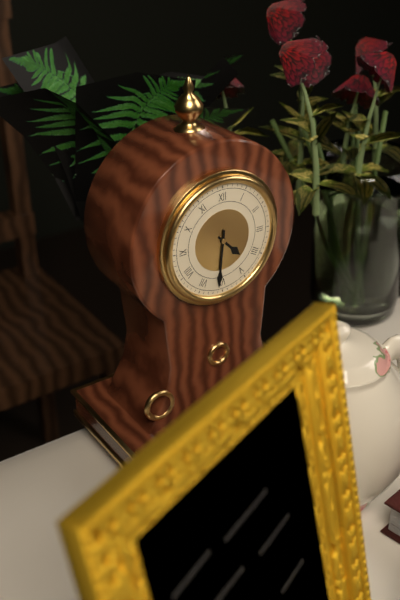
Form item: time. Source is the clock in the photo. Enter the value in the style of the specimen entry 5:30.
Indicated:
4:31
